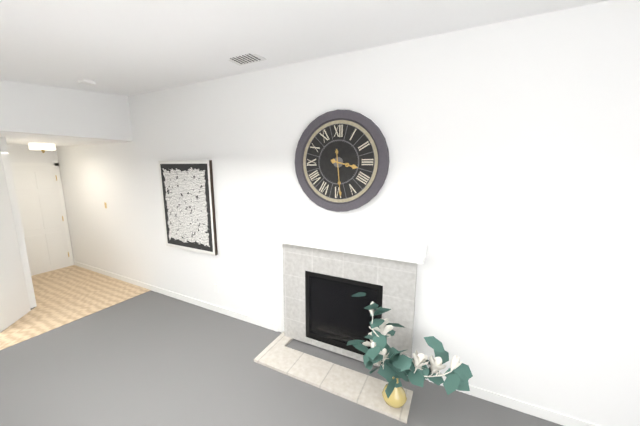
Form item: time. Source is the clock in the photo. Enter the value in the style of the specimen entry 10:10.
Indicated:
3:29
